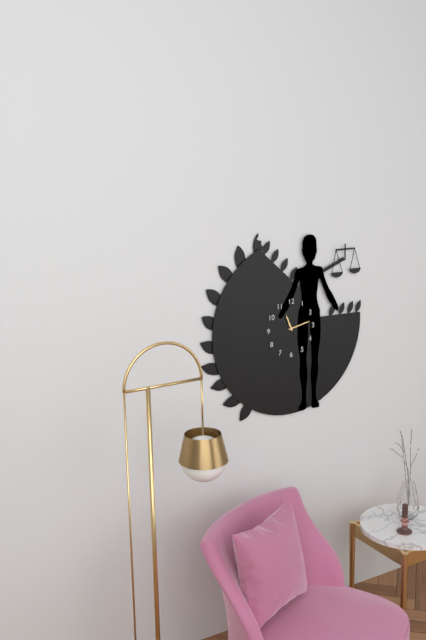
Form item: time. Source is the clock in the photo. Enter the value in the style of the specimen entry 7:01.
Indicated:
11:13
